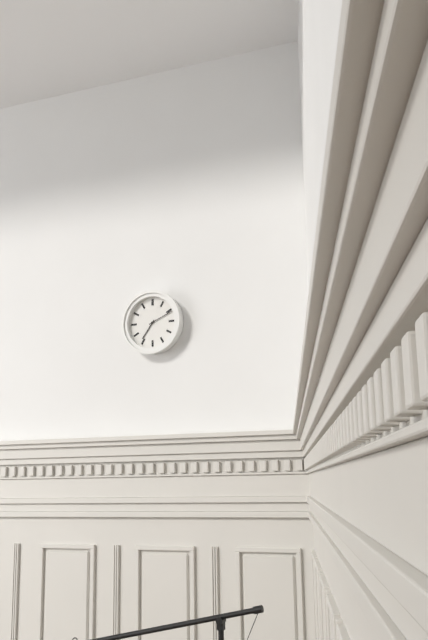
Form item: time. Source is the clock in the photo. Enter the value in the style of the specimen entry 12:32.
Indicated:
7:11
